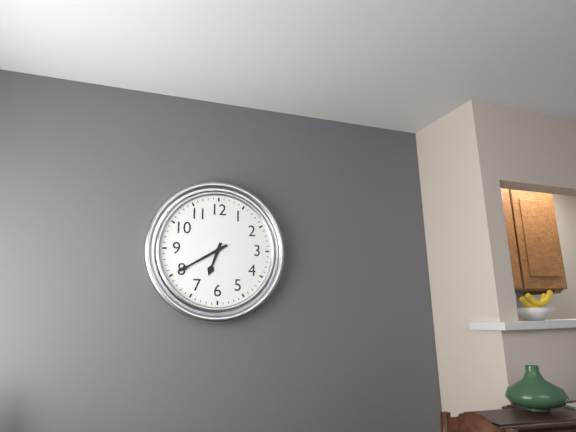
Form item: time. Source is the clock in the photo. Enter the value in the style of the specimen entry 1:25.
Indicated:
6:40
